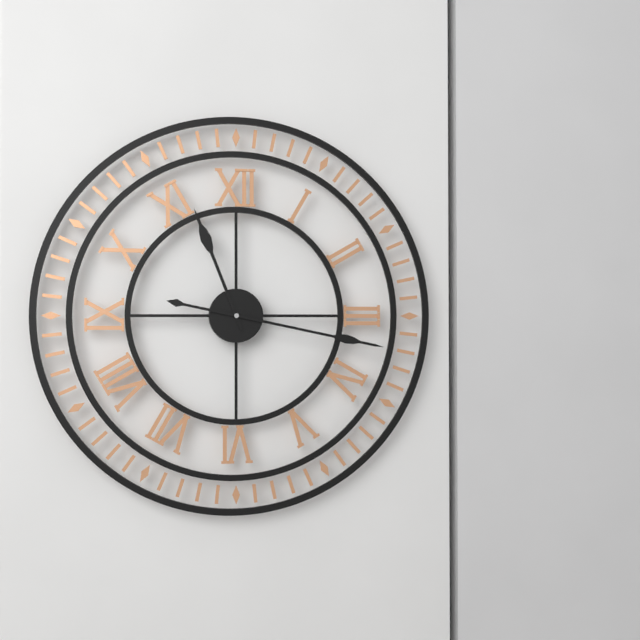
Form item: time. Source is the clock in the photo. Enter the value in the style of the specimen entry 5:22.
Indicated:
11:17
